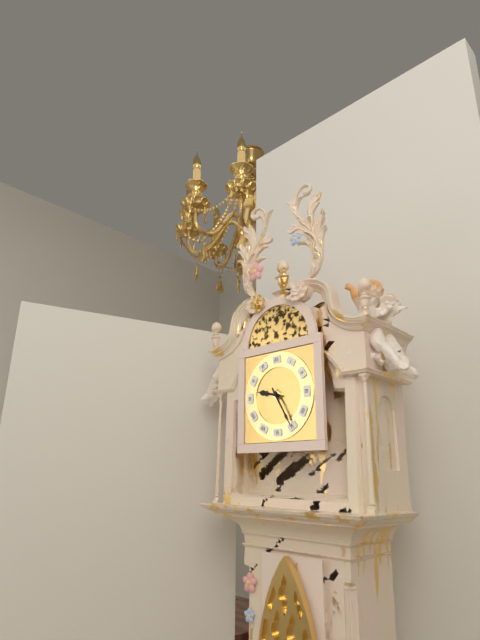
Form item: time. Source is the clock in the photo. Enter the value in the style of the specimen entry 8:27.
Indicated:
9:25
